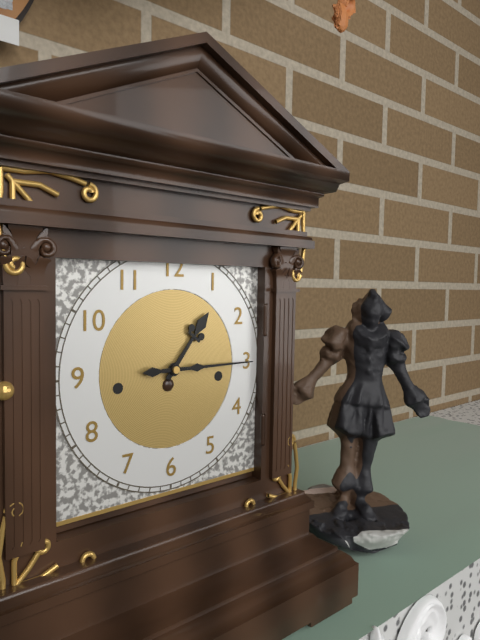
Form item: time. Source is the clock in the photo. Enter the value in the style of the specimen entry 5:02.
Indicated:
1:15
